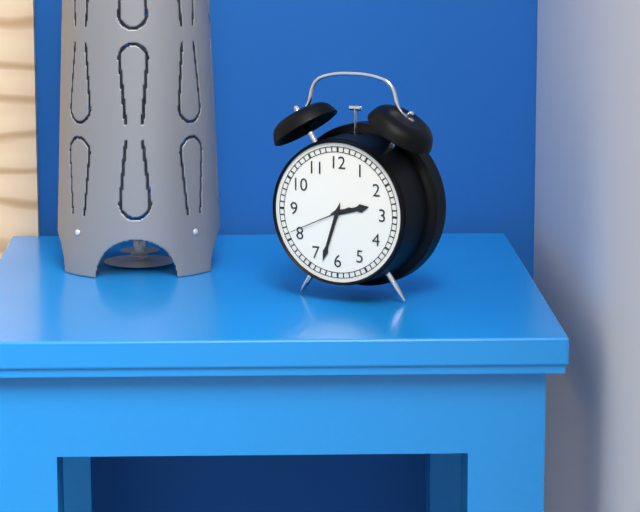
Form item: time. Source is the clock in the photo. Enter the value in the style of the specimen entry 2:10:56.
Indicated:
2:33:41
